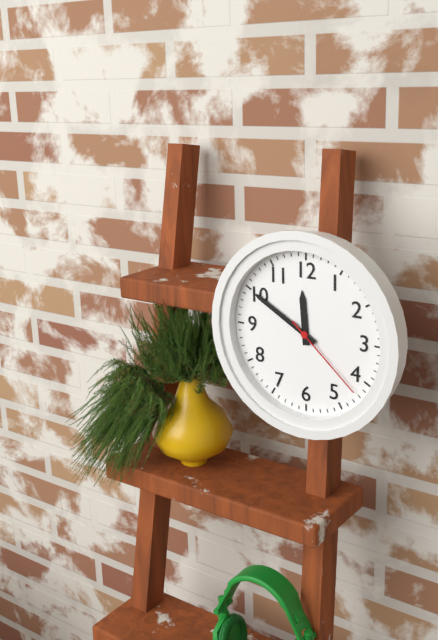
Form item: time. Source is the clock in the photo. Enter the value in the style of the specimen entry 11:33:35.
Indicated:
11:50:22
